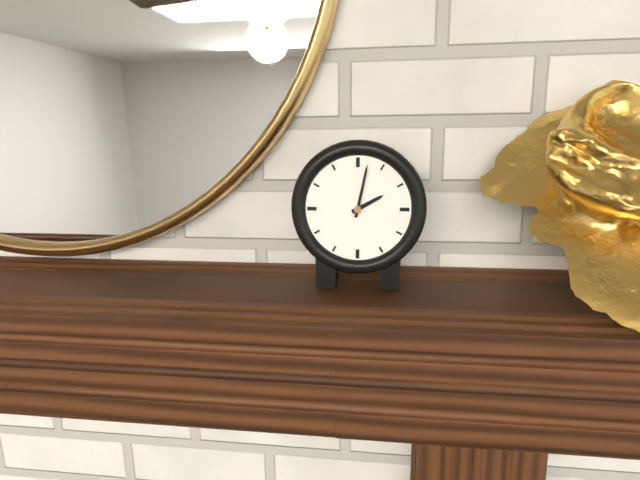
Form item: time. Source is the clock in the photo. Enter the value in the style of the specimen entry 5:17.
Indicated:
2:02
